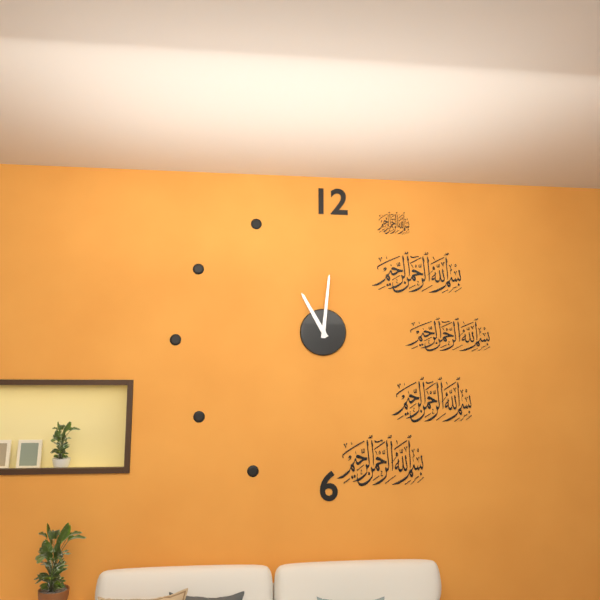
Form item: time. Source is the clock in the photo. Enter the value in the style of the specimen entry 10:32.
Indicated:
11:01
